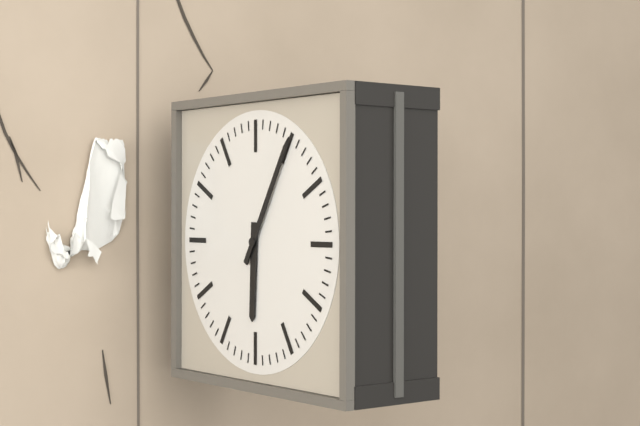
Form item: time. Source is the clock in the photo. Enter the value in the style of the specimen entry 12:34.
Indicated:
6:05
